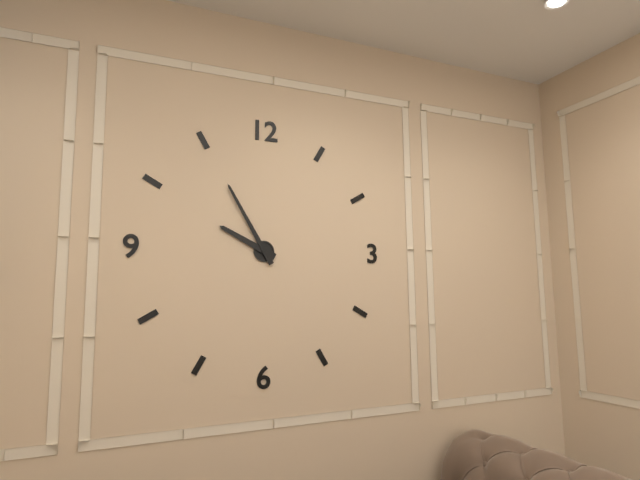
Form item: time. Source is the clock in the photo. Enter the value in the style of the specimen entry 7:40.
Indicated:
9:55
